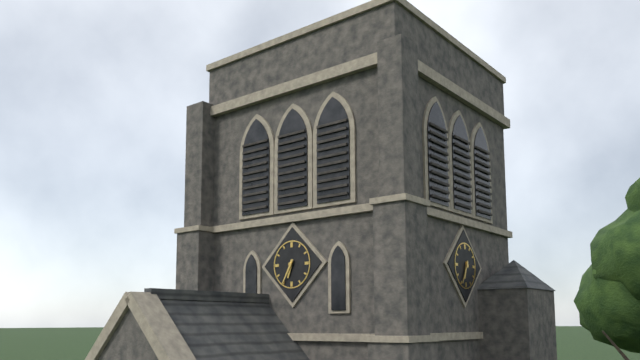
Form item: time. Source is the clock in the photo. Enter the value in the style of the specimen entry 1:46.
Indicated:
6:35
